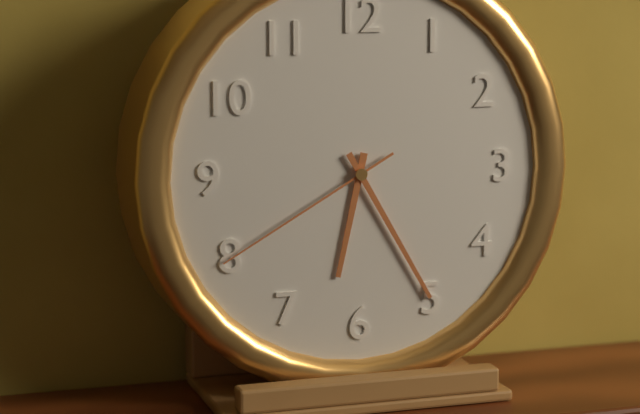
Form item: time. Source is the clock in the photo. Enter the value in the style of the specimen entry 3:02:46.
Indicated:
6:25:40
